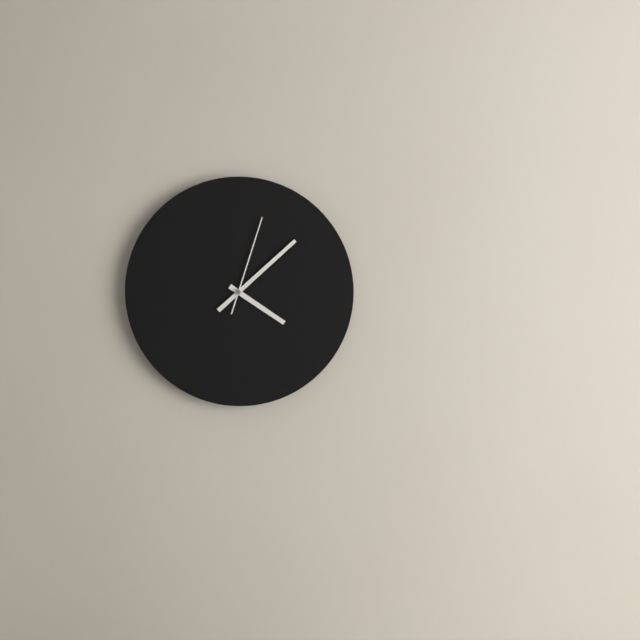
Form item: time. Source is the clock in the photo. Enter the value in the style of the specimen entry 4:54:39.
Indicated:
4:08:03
